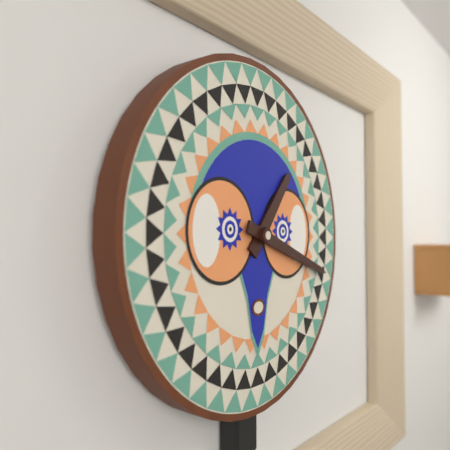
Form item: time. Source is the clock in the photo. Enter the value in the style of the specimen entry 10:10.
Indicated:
1:18
